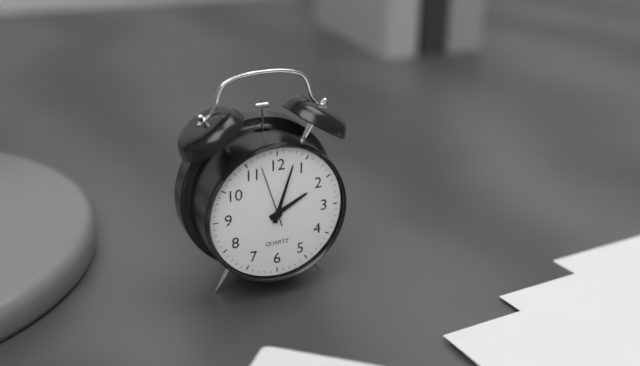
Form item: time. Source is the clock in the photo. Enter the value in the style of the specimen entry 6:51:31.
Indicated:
2:03:57
